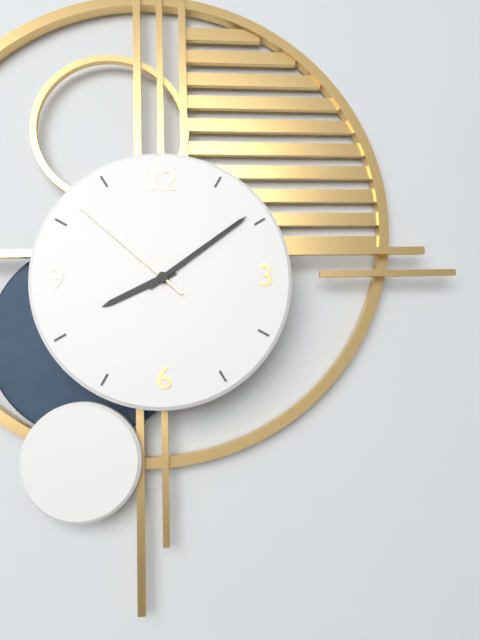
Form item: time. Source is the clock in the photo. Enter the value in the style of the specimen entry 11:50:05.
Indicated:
8:09:52
